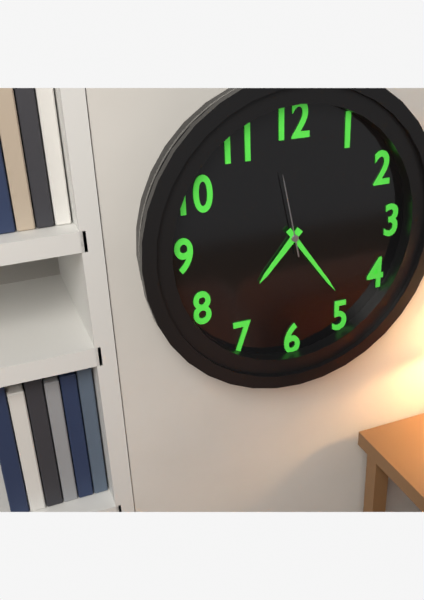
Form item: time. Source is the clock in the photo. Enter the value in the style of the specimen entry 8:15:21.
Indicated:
7:24:58
